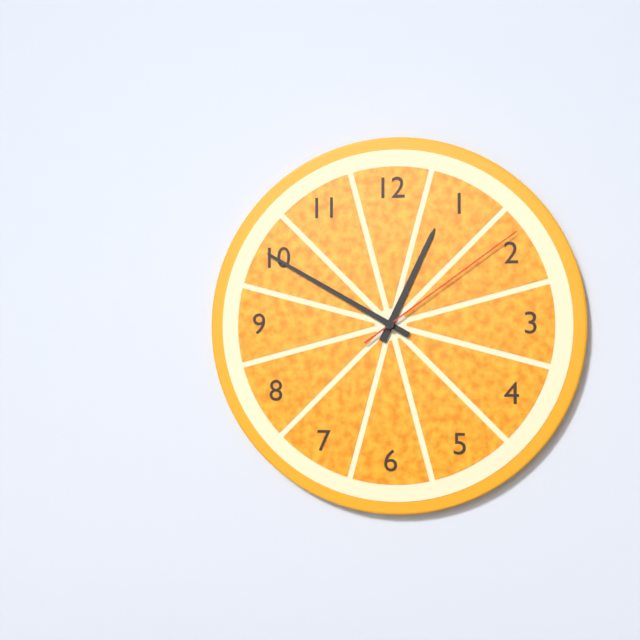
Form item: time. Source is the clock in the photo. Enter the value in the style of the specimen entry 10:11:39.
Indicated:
12:50:09
